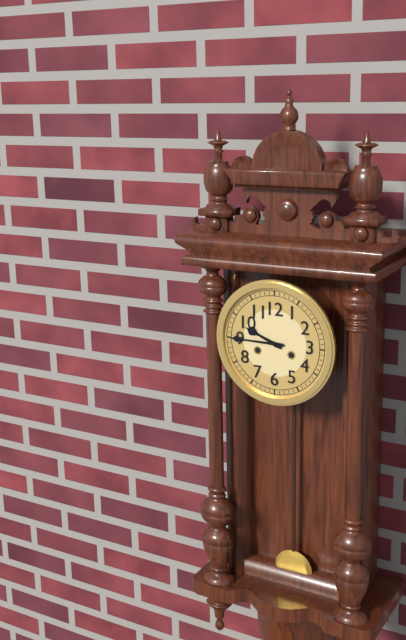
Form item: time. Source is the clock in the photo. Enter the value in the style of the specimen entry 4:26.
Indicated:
9:45
